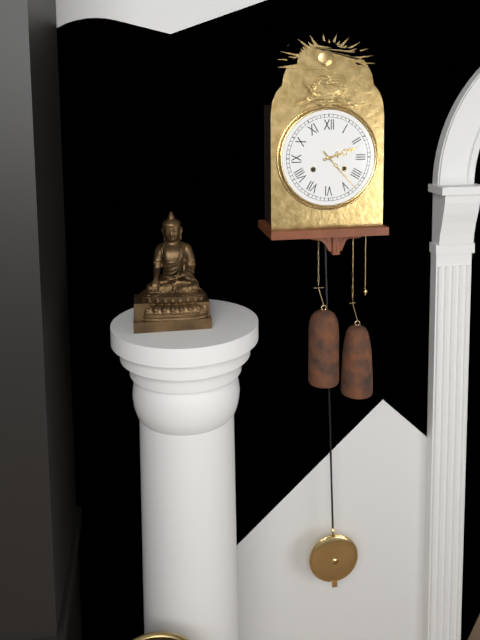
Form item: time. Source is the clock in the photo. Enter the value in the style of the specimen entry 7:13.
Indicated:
2:23
